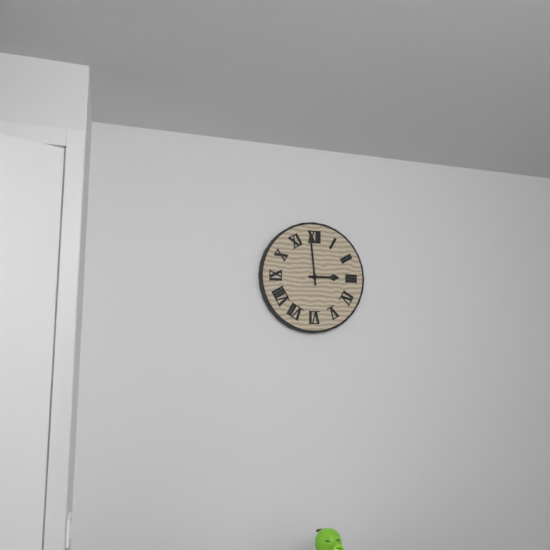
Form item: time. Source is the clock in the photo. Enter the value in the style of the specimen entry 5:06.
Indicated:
2:59
